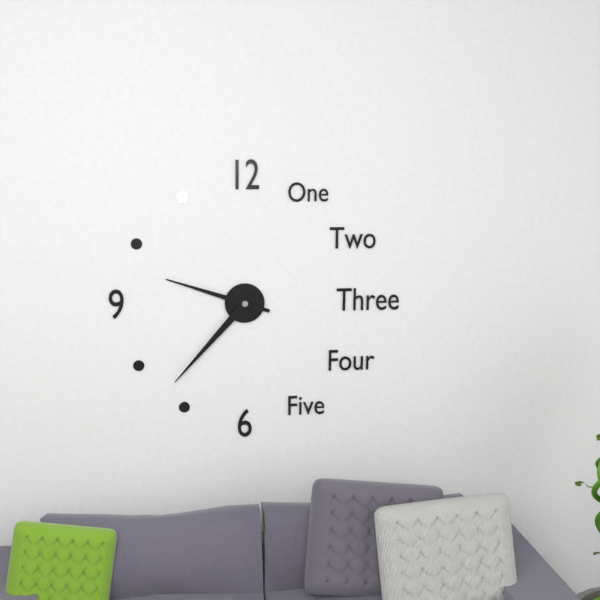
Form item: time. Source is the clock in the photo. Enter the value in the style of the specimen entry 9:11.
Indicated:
9:37
